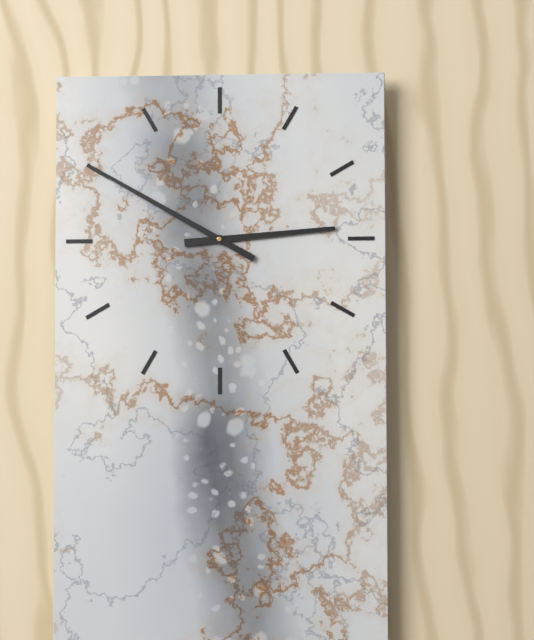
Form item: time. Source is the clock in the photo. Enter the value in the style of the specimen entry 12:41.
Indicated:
2:50
